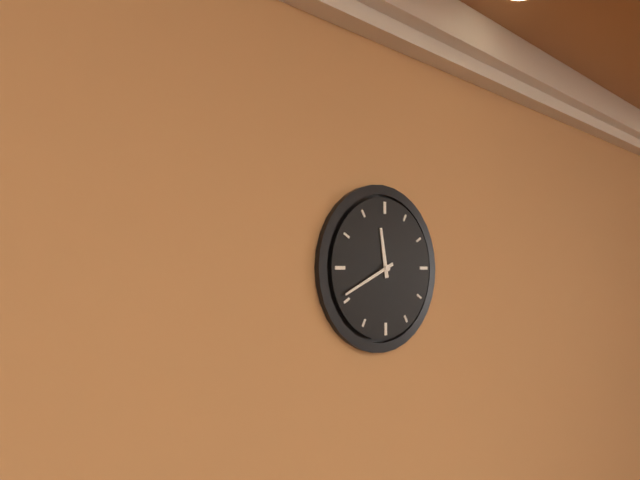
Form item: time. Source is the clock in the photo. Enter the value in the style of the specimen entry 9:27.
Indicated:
11:41
